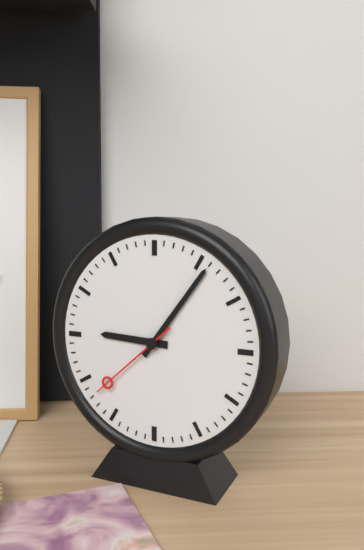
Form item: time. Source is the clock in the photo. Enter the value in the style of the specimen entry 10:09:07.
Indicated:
9:06:38
